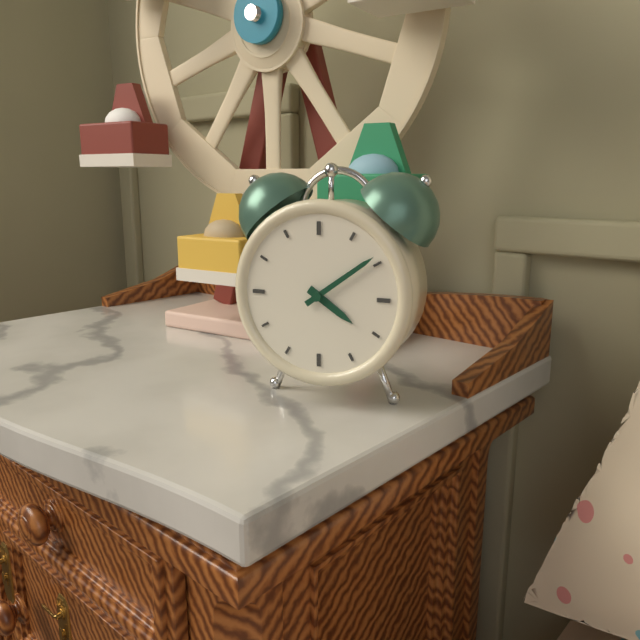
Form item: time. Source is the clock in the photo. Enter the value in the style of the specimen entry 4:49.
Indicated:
4:09
